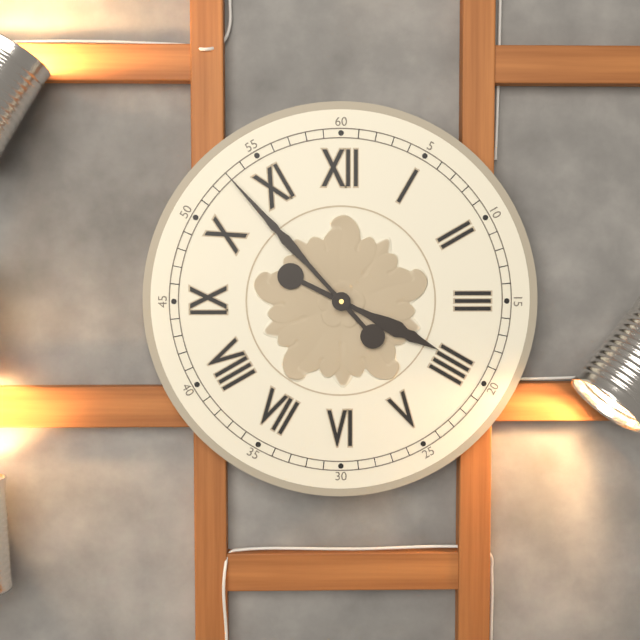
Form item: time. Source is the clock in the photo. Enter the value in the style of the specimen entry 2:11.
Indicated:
3:53
